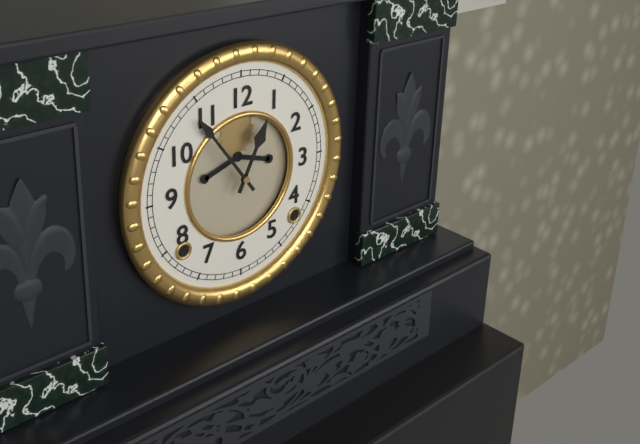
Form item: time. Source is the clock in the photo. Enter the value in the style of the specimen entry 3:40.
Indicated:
12:54
